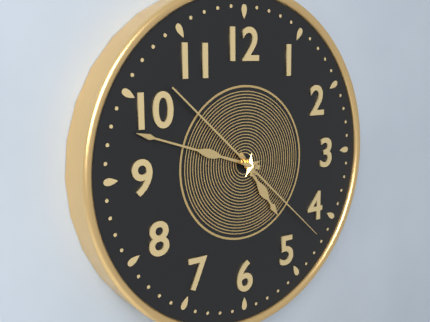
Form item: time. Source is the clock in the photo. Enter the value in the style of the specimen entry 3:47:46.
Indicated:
4:48:22
